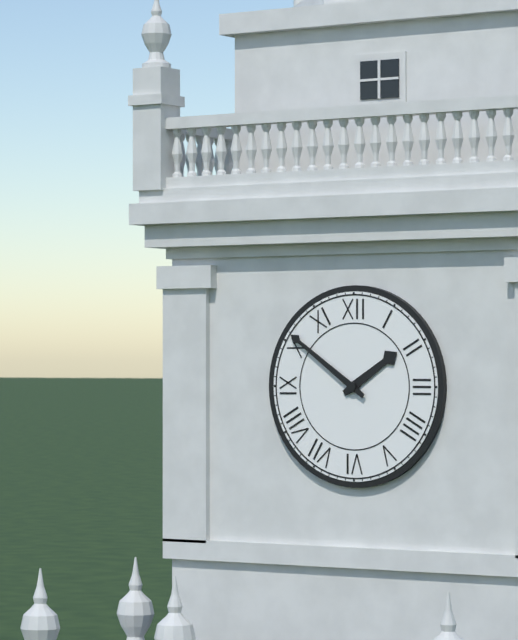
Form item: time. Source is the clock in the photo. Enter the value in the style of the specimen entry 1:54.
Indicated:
1:51
